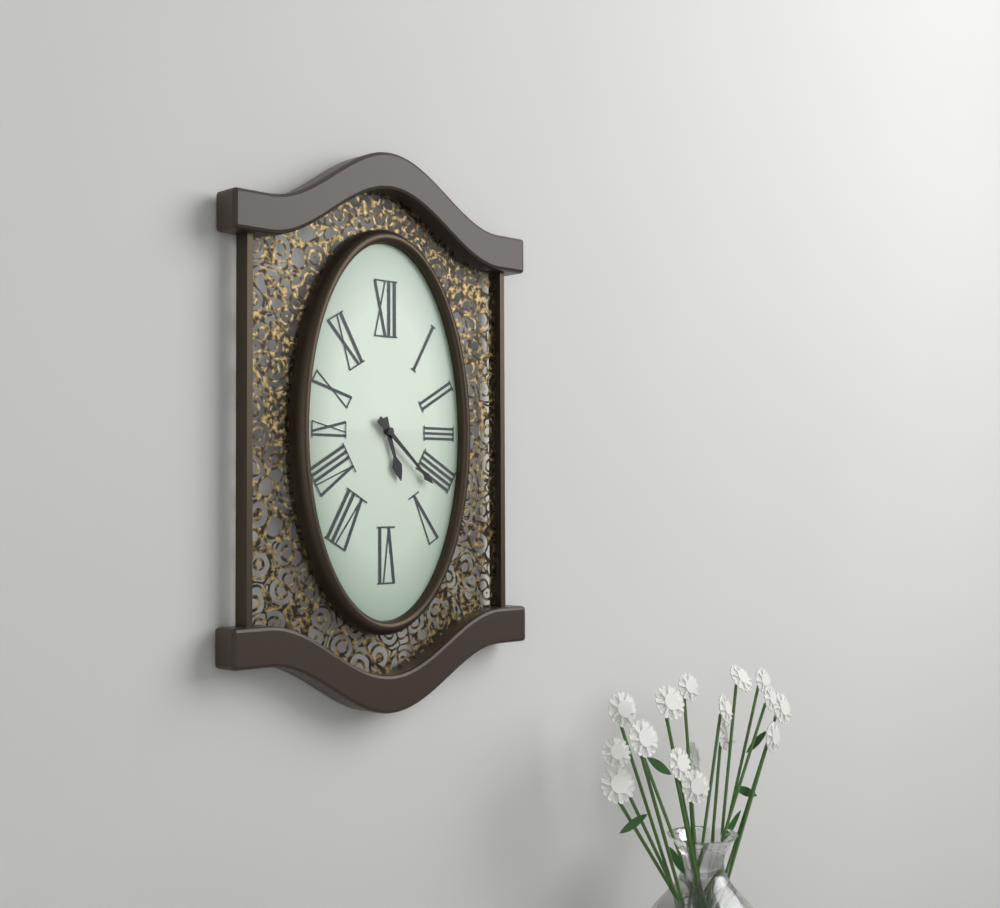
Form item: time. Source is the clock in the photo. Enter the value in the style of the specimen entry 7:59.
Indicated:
5:22
